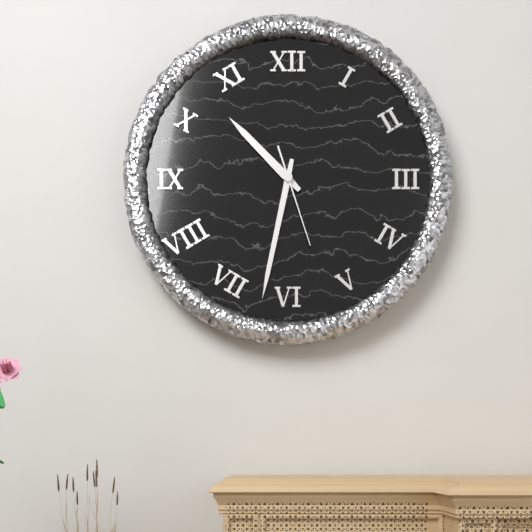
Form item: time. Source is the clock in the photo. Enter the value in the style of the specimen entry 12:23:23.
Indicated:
10:32:27
